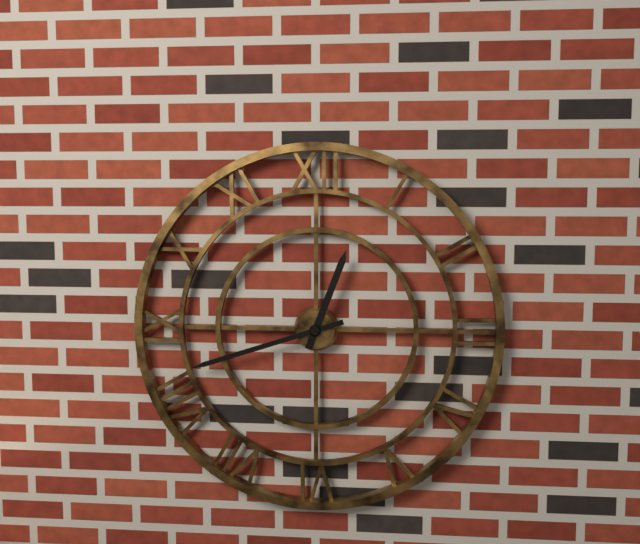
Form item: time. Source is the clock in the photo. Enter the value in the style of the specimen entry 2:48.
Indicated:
12:42
